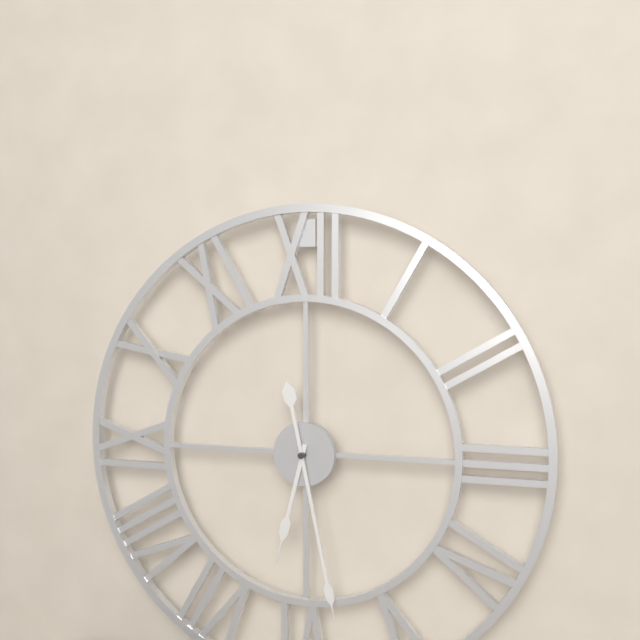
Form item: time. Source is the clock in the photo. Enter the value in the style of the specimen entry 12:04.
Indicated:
6:28
